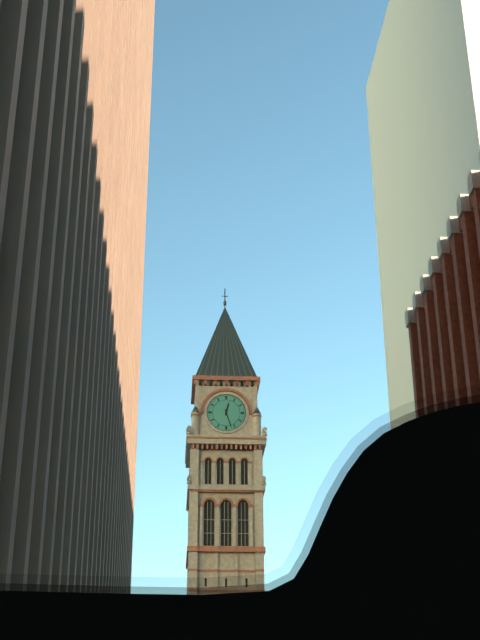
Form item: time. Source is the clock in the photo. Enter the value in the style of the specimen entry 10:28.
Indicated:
12:27
